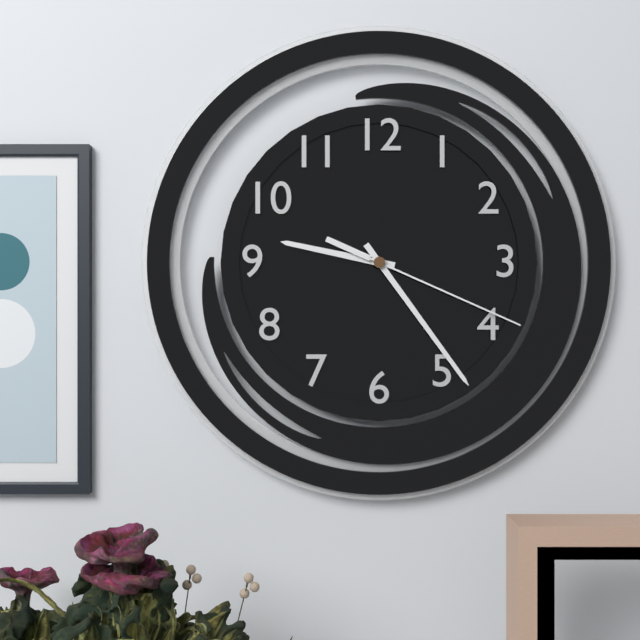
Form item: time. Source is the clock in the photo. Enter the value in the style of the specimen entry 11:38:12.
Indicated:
9:24:19
